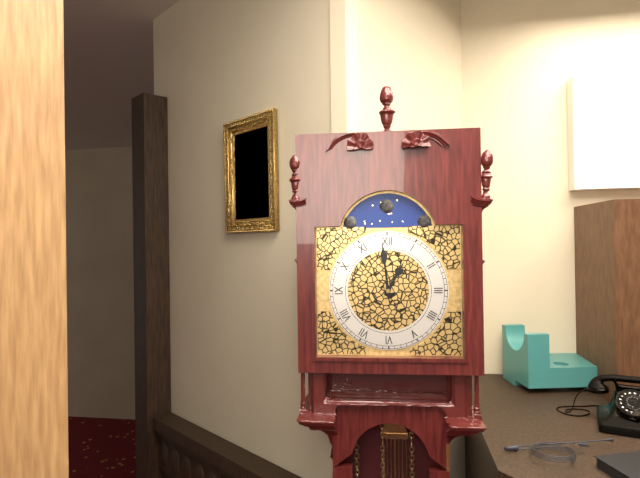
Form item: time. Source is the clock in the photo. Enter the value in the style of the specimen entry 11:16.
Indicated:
12:59
